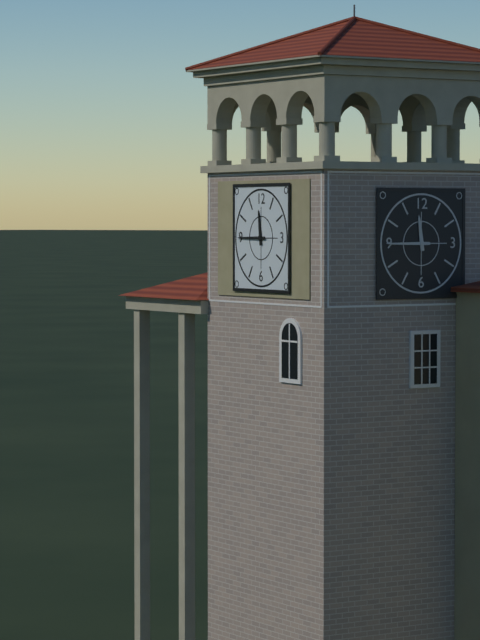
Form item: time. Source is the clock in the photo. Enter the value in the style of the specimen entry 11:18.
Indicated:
11:45
